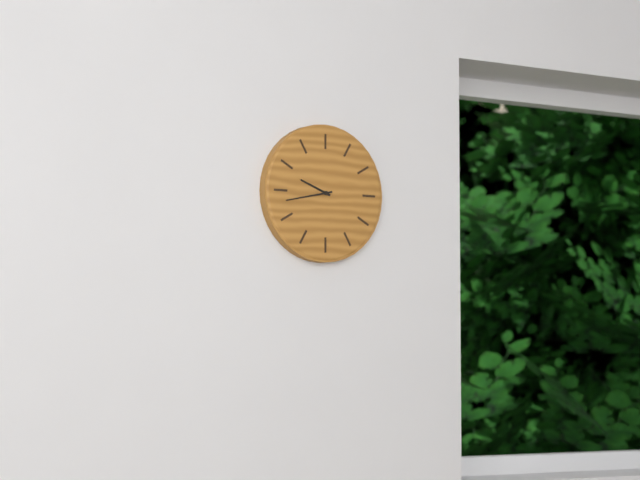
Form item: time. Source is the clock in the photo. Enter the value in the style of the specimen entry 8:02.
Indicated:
9:43
